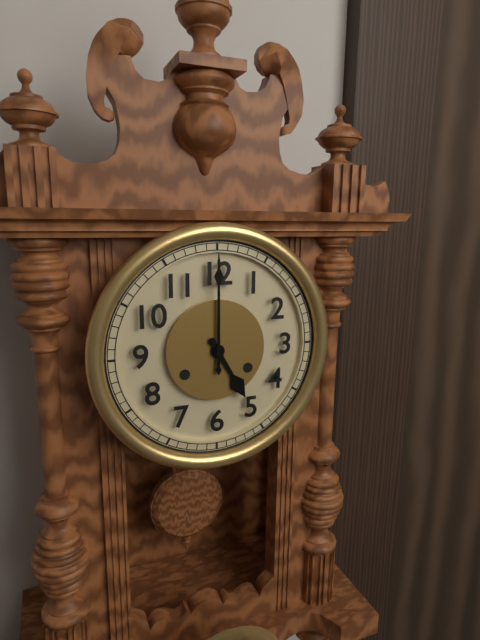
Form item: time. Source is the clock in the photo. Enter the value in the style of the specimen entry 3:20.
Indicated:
5:00
